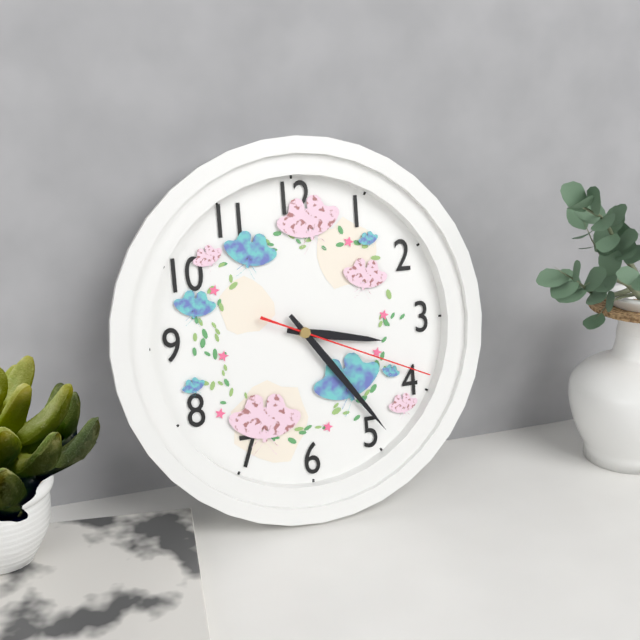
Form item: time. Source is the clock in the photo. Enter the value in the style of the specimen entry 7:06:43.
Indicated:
3:24:19
